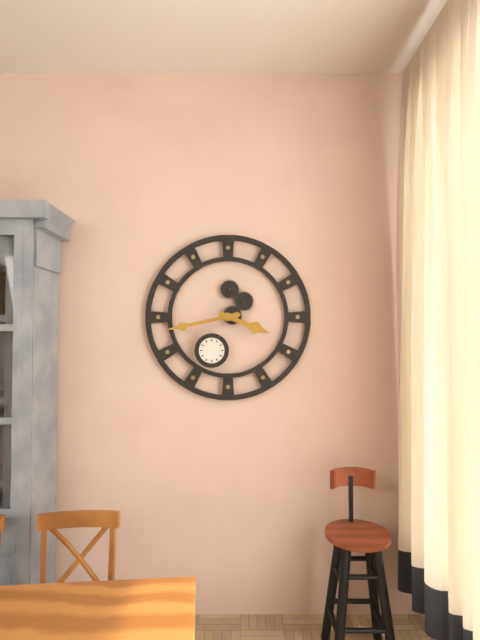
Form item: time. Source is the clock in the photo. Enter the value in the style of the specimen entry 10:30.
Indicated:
3:43
